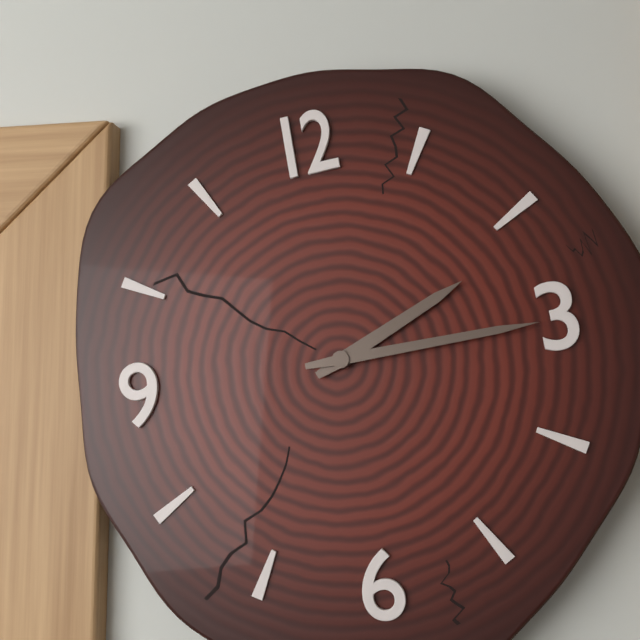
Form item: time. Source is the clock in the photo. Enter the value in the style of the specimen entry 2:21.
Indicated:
2:15
